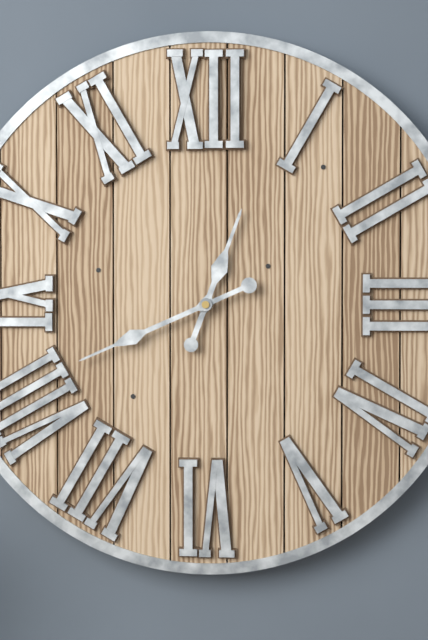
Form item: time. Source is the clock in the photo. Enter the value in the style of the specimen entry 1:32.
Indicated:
12:41
